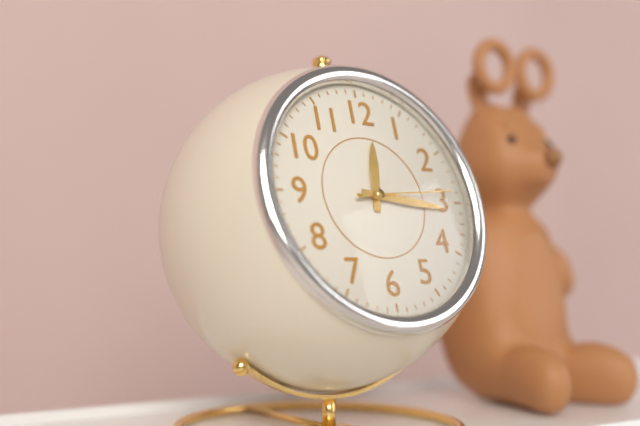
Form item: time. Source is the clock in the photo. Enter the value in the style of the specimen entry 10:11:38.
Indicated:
12:16:14
